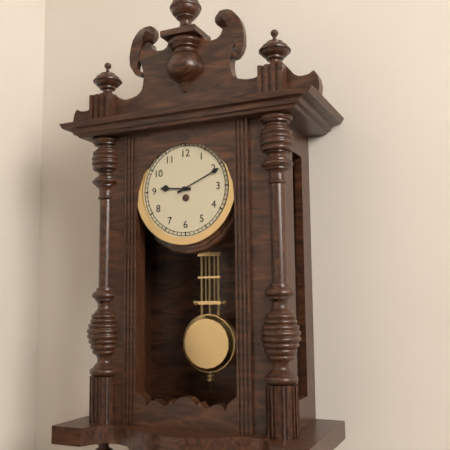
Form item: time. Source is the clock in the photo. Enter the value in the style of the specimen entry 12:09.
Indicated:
9:11
